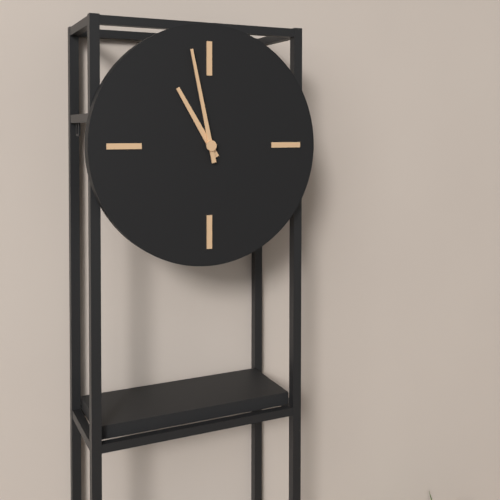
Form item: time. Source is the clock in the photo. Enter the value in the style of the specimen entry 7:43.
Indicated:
10:58
